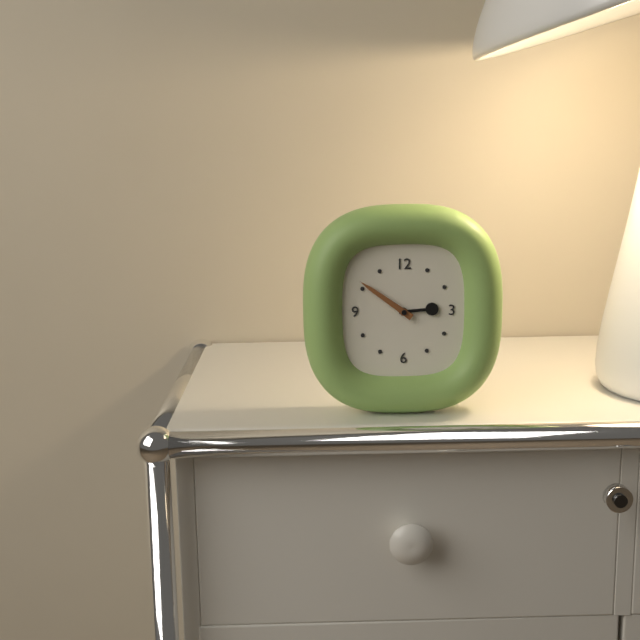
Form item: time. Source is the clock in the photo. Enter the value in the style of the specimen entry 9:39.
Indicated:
2:51
